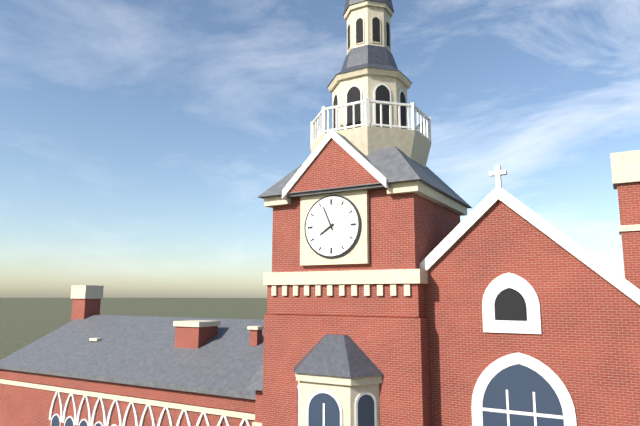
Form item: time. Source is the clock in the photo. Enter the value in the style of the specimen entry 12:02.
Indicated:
7:56
